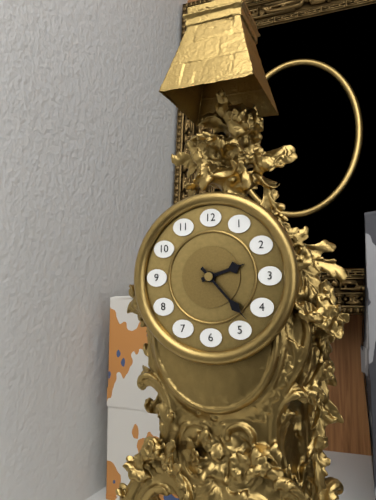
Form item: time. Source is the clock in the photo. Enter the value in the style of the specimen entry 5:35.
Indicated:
2:23
